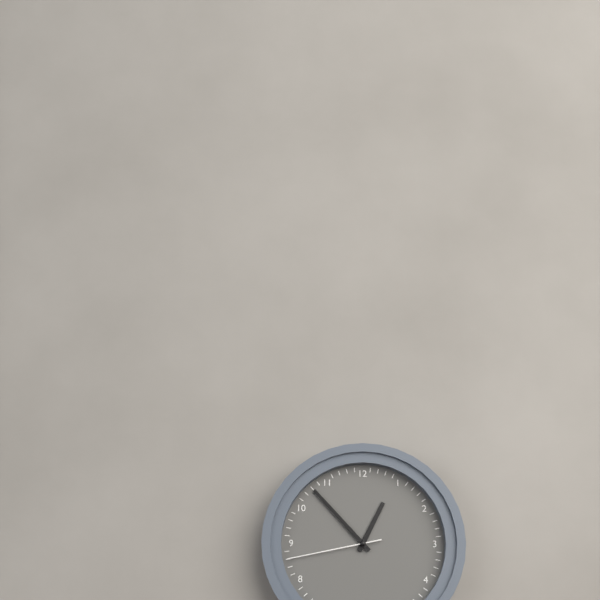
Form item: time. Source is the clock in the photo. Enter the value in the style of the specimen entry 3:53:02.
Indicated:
12:53:43
